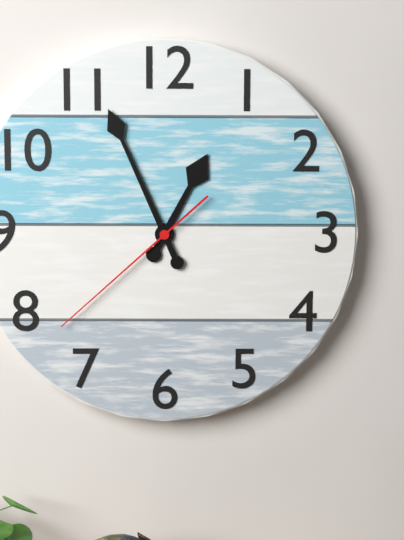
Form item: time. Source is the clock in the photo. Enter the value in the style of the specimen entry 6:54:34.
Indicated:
12:56:38
